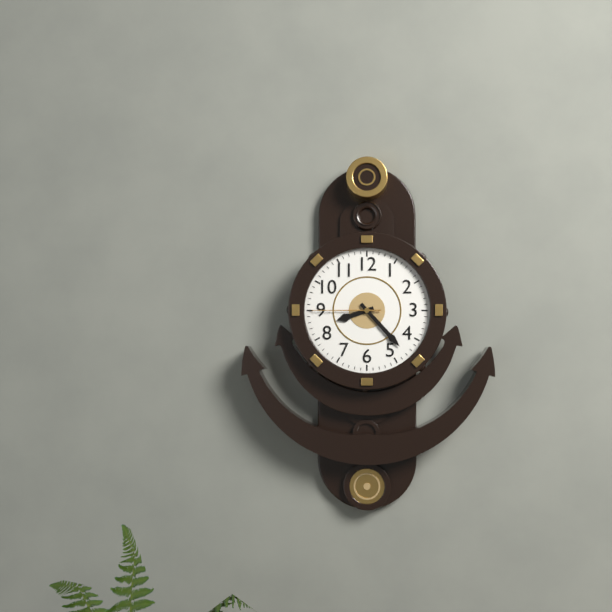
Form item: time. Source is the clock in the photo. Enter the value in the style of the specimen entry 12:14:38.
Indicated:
8:23:45
